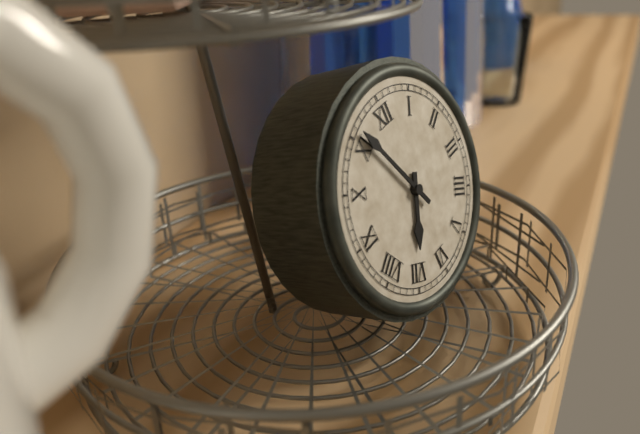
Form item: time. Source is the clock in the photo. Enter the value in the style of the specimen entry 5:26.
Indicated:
6:56
